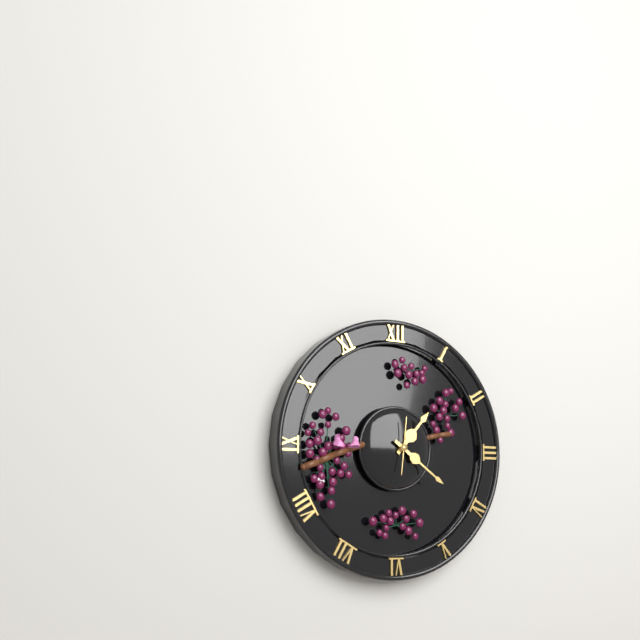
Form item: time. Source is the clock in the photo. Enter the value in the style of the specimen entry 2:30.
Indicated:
1:21
